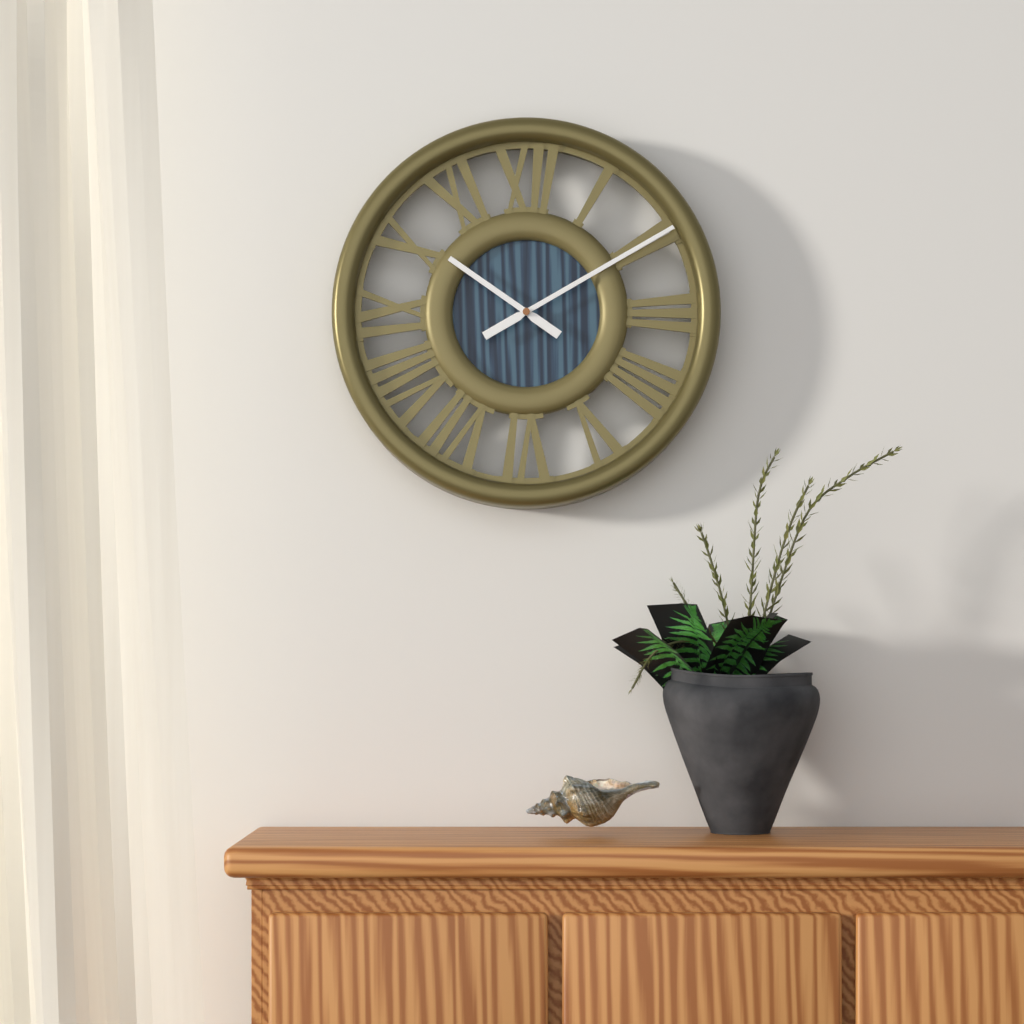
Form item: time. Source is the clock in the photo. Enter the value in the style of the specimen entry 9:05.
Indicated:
10:10
